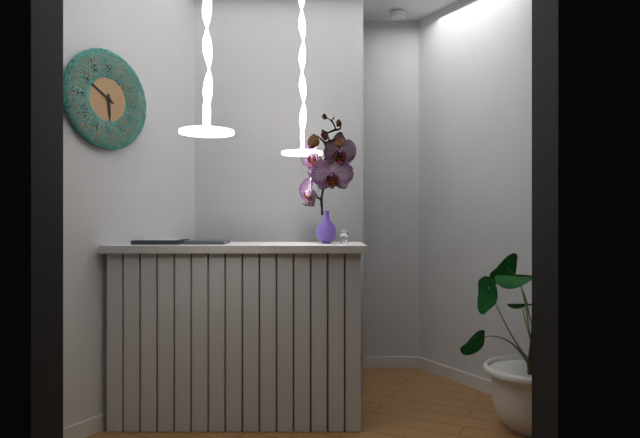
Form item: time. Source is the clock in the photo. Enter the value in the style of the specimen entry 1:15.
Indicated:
5:50
